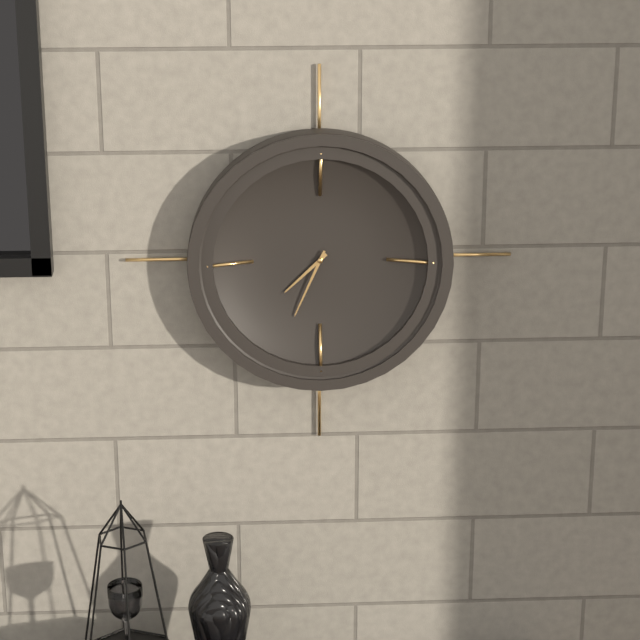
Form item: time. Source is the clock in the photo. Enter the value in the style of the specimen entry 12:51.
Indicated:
7:34
